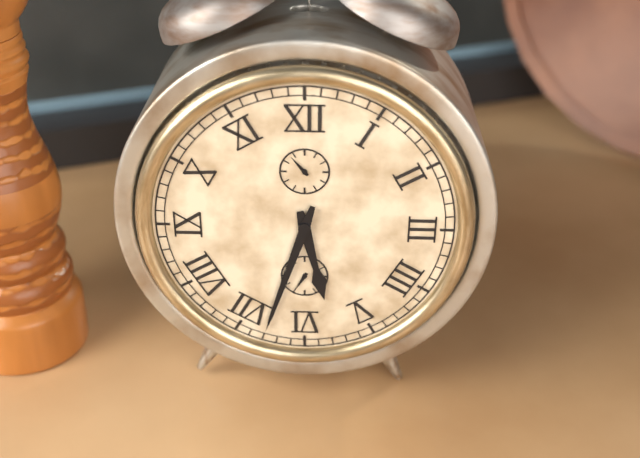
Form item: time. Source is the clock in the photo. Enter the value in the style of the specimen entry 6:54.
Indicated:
5:33
